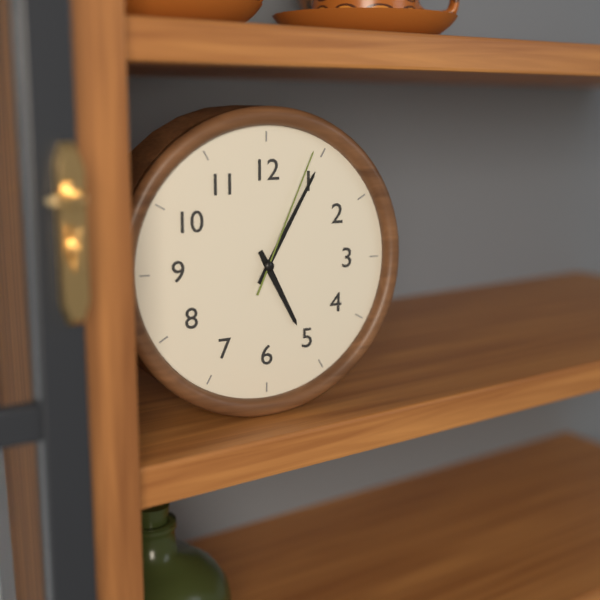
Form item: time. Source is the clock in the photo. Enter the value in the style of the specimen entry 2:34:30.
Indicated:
5:05:04
